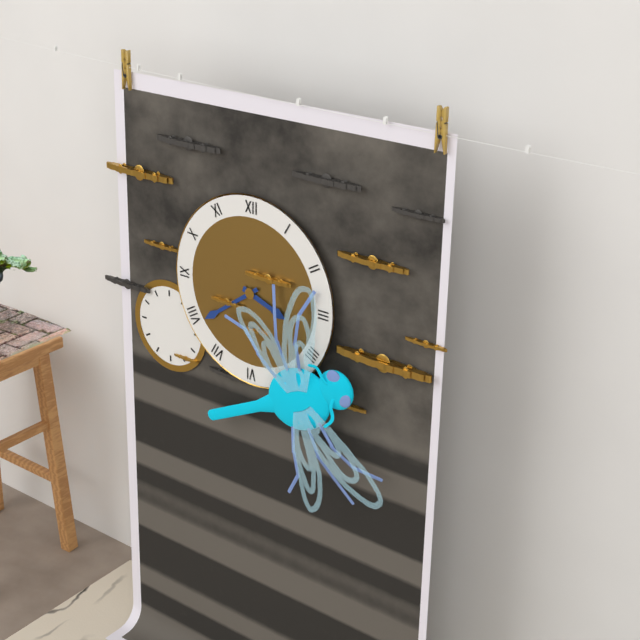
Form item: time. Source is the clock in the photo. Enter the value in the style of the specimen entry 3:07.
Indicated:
3:39
